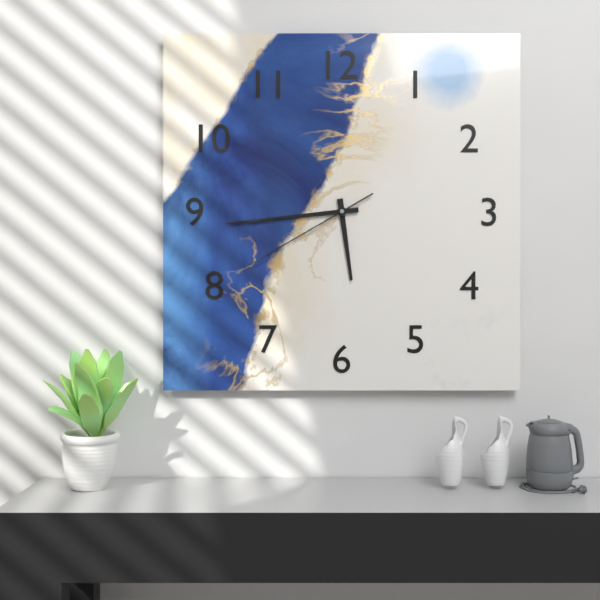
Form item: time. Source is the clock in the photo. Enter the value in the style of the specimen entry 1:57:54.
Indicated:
5:44:40
